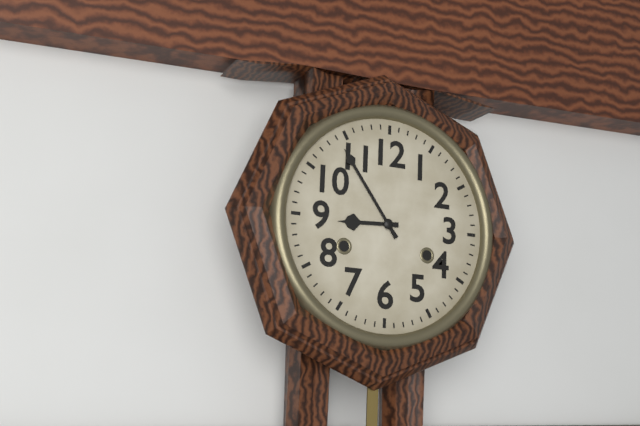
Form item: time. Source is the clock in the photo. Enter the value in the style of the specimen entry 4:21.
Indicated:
8:54
